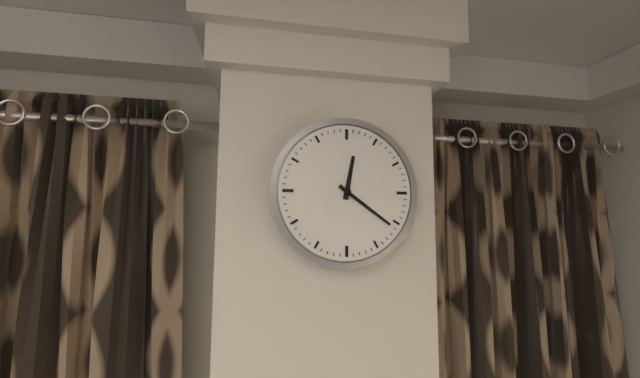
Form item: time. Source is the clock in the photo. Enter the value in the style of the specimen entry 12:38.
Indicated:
12:21
